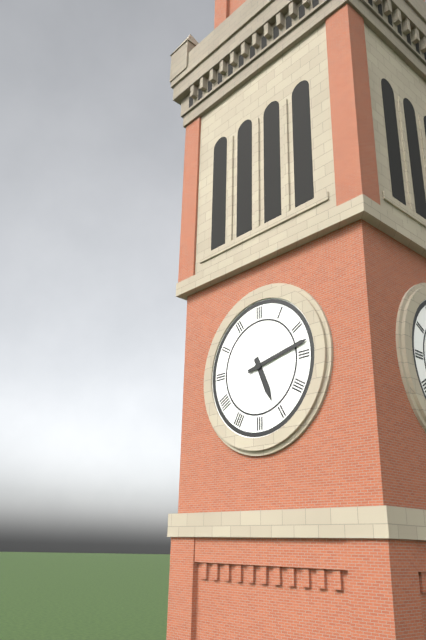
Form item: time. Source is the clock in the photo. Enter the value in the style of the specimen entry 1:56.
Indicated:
5:13
